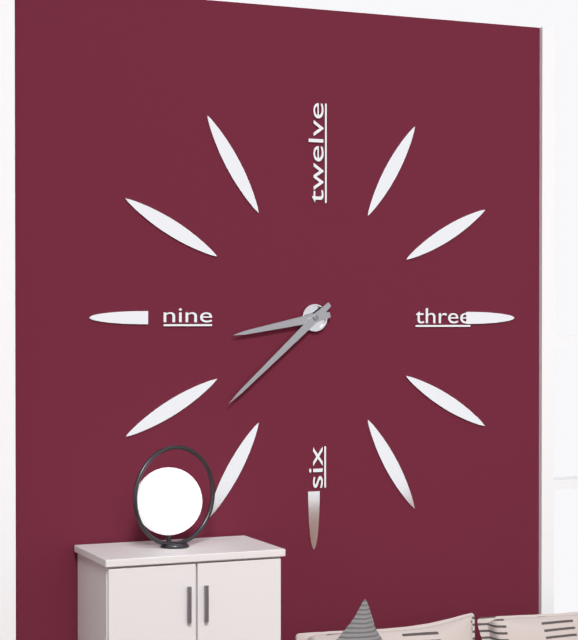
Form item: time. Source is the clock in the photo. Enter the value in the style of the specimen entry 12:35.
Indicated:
8:38
